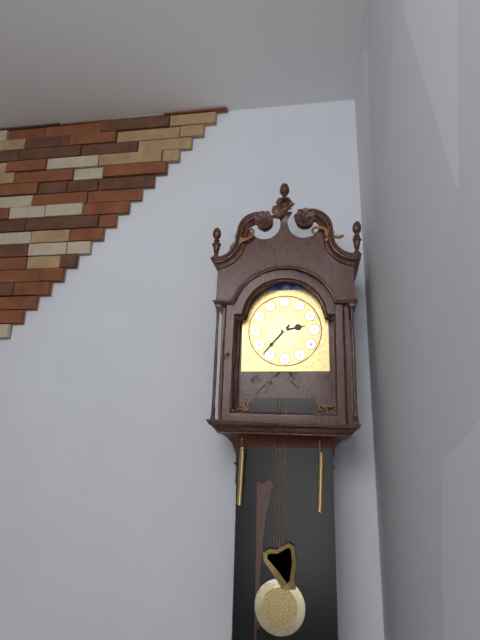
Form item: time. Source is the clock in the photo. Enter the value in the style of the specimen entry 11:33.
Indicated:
2:37
